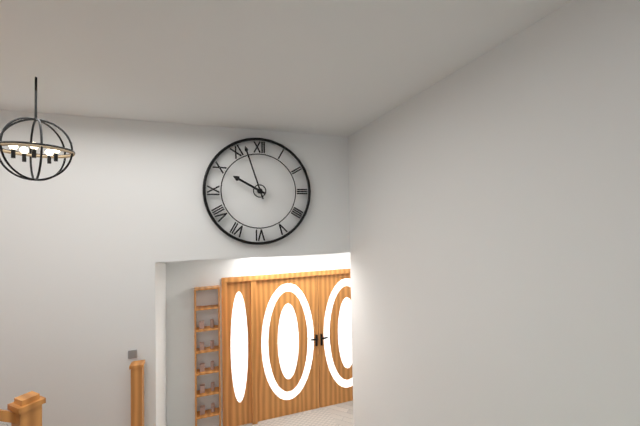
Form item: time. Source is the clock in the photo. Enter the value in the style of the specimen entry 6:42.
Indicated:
9:57
